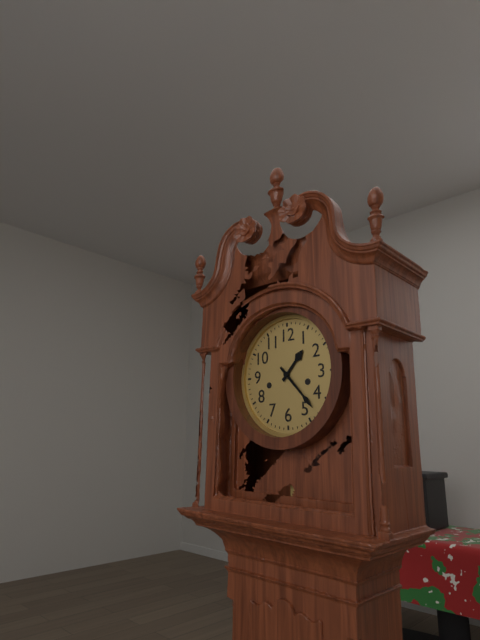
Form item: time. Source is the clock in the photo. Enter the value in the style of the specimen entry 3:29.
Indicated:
1:23
